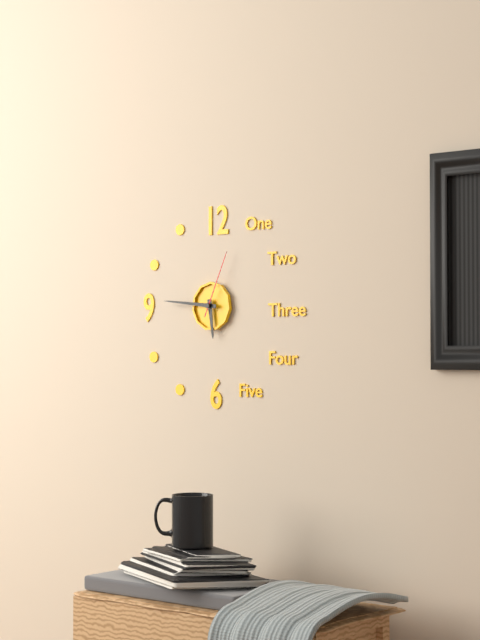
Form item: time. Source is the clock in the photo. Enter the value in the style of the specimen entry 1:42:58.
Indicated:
5:46:04
